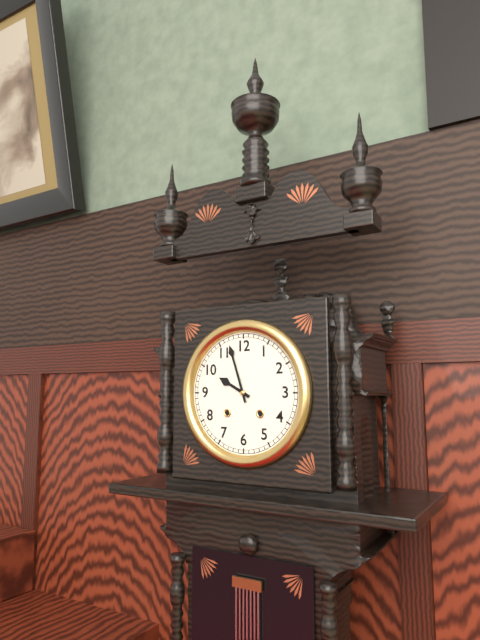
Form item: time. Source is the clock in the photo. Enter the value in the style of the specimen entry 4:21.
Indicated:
9:57
